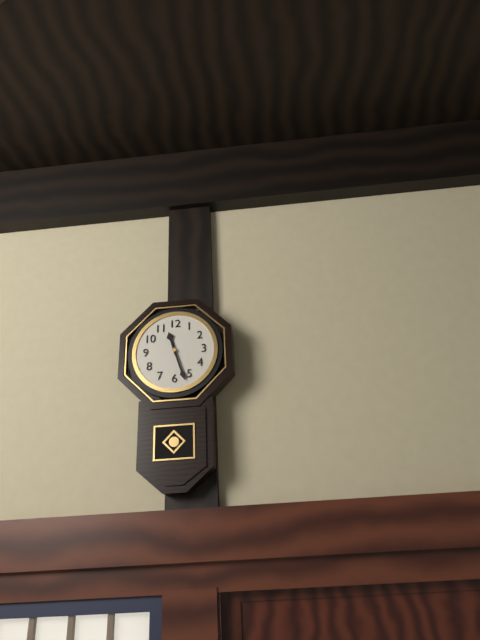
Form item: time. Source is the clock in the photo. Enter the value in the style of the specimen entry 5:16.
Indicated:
11:27
